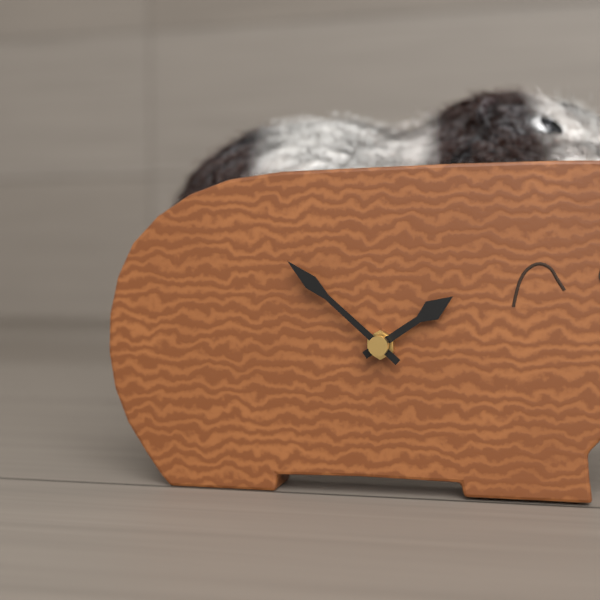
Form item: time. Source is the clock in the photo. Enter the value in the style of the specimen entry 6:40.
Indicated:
1:52
